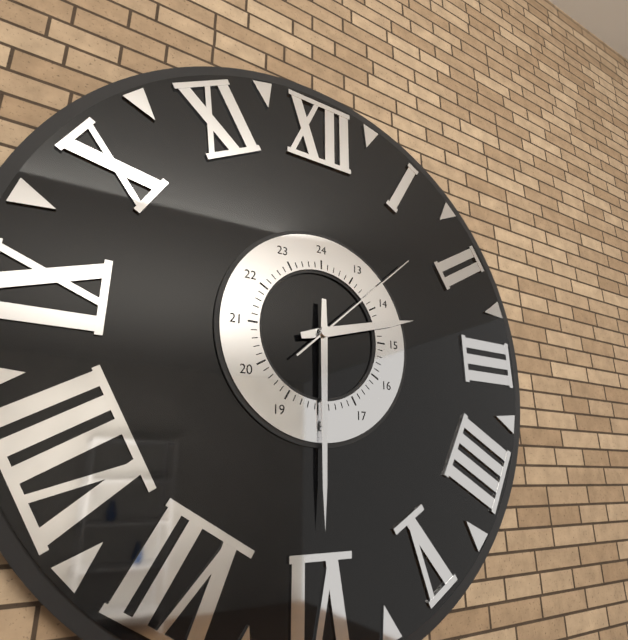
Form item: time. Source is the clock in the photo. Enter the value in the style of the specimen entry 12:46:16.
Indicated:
2:30:08
